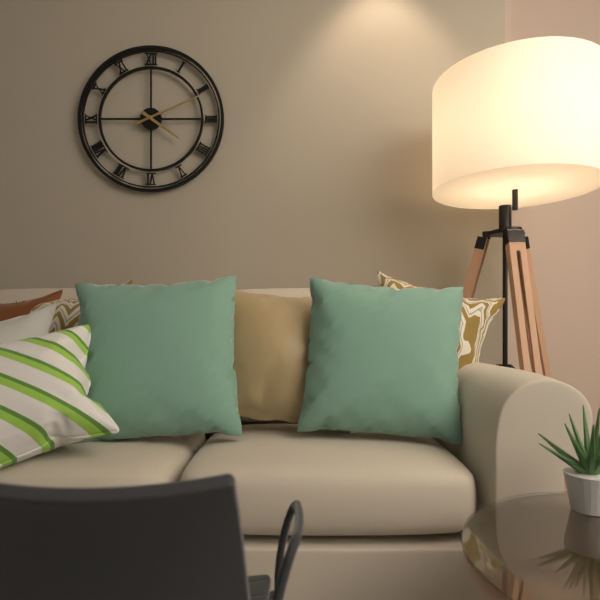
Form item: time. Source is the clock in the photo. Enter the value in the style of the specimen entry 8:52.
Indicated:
4:11
